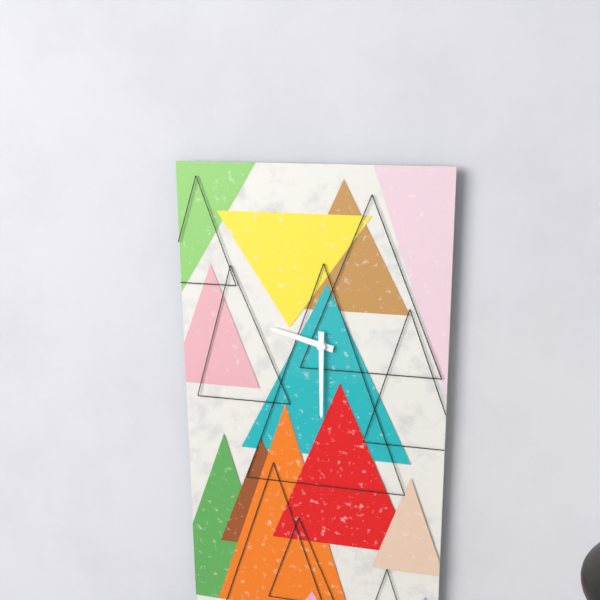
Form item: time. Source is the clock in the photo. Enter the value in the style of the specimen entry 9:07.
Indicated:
9:30
